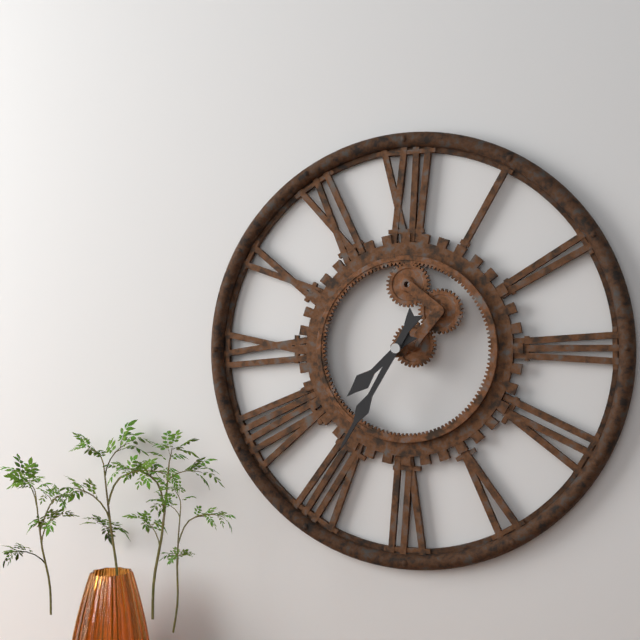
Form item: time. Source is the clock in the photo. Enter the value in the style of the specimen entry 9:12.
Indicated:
7:35
